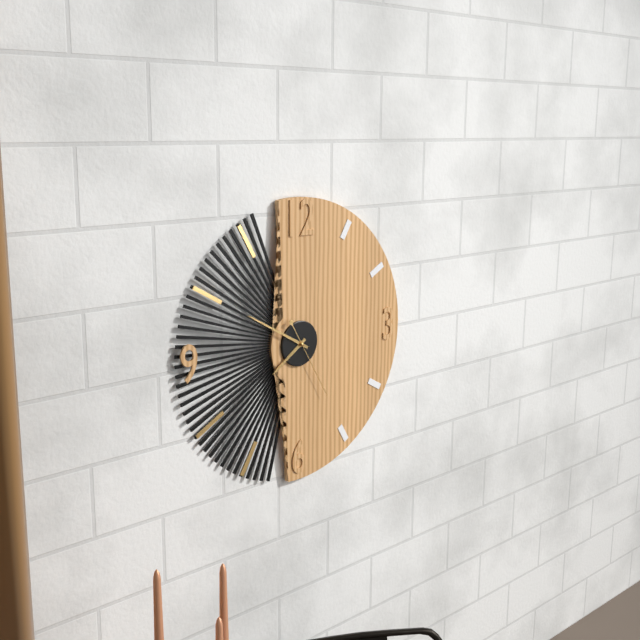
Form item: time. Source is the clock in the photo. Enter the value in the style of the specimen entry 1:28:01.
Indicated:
7:50:25
